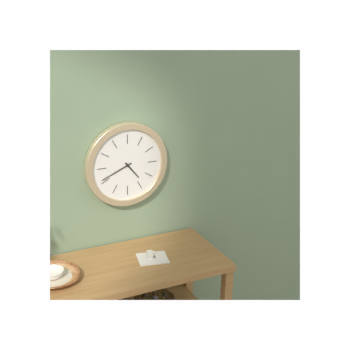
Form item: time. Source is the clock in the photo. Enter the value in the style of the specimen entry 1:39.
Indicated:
4:41
